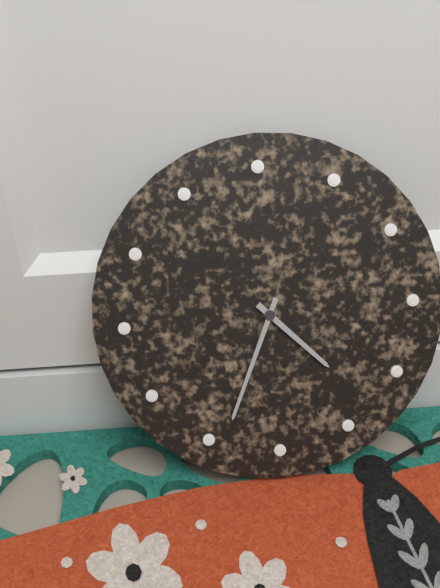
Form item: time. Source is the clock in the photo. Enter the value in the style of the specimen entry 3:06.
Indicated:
4:34
